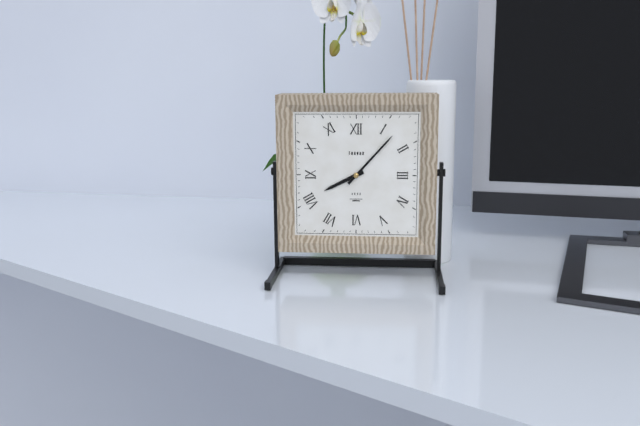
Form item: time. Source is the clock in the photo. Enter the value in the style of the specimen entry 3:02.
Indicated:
8:07
